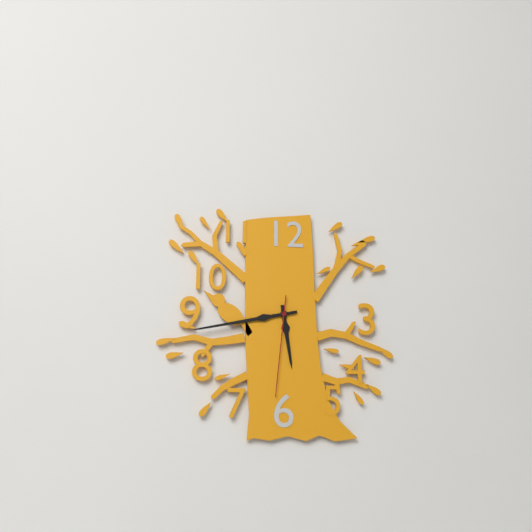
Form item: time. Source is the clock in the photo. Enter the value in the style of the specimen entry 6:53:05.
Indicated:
5:43:31
